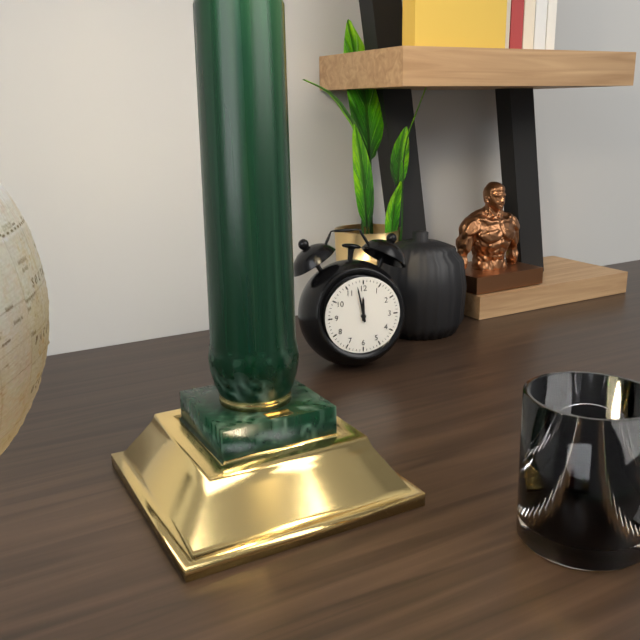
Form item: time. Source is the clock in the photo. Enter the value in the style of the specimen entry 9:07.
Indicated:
11:58
